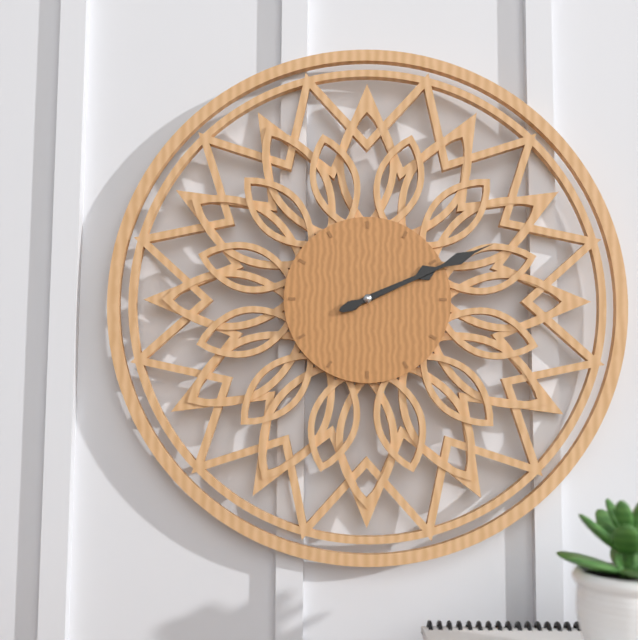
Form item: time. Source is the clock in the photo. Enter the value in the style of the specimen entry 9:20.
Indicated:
2:11
